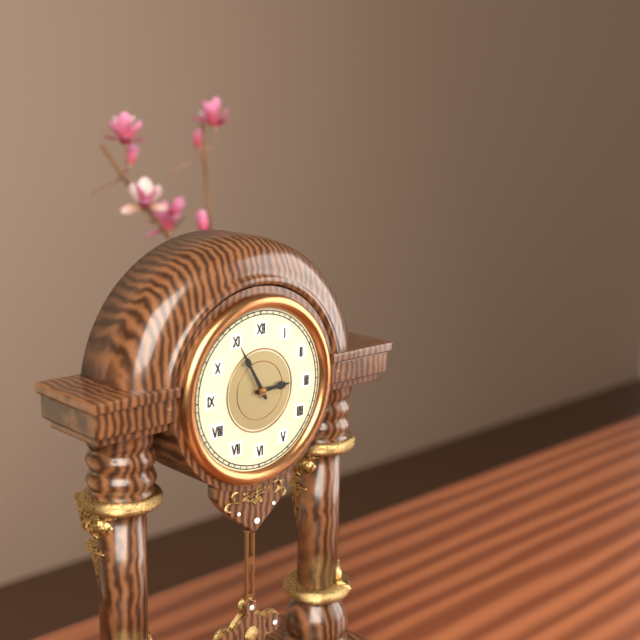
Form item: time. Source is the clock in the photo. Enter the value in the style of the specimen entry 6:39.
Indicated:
2:55
